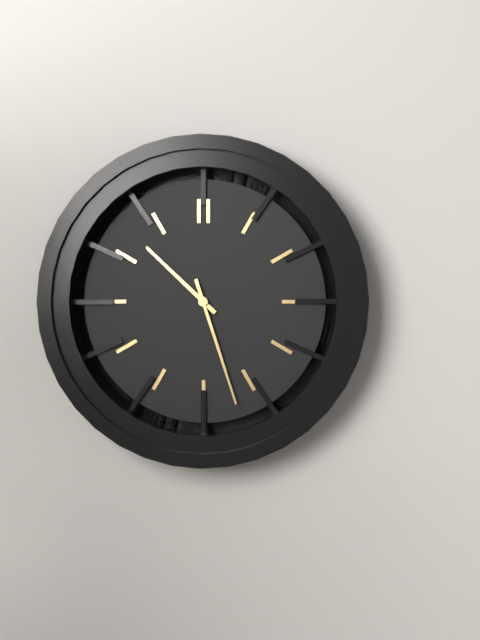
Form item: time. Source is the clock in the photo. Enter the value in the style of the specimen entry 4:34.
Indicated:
10:27
